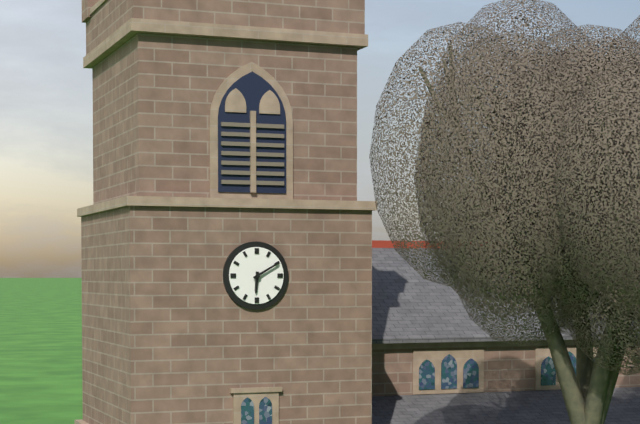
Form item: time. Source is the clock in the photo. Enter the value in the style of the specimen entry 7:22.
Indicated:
6:10
